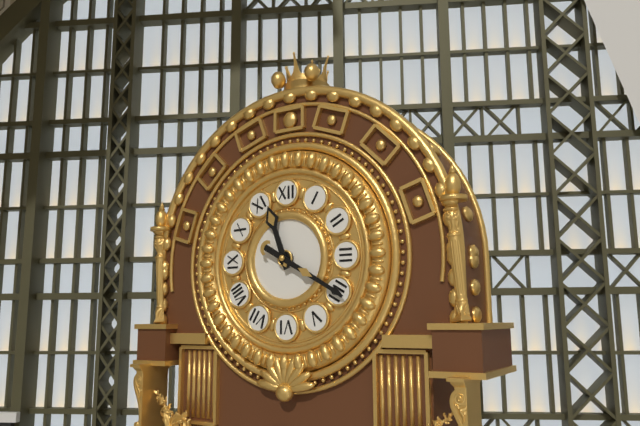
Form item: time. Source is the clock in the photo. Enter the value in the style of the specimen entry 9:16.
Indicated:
11:20
